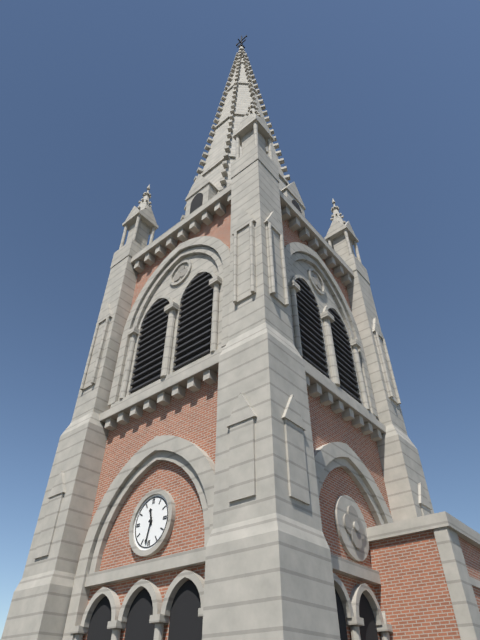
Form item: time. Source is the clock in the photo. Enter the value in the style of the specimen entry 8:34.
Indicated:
11:32
